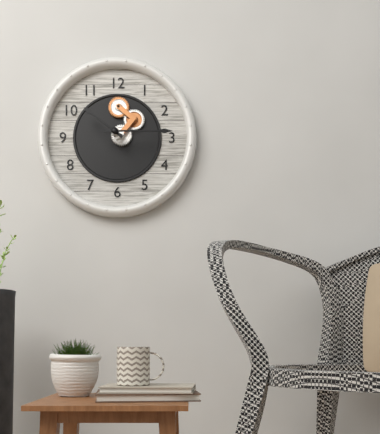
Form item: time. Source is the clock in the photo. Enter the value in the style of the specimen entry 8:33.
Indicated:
10:15
